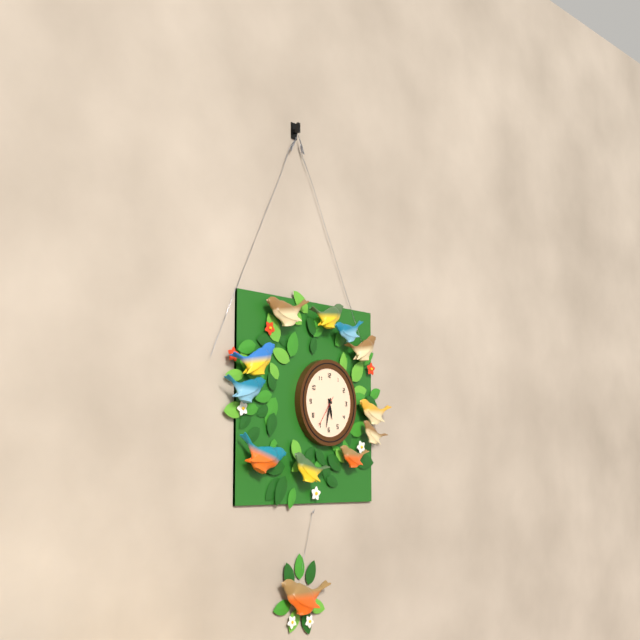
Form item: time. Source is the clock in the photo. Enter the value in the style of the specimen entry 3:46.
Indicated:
5:32
